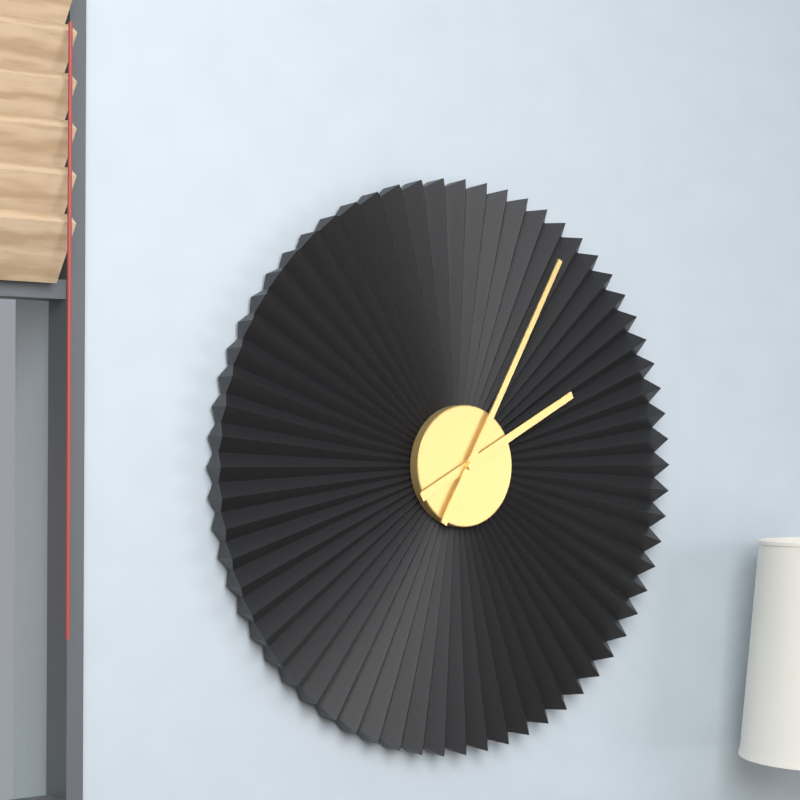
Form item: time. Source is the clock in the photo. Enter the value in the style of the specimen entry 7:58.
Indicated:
2:05
